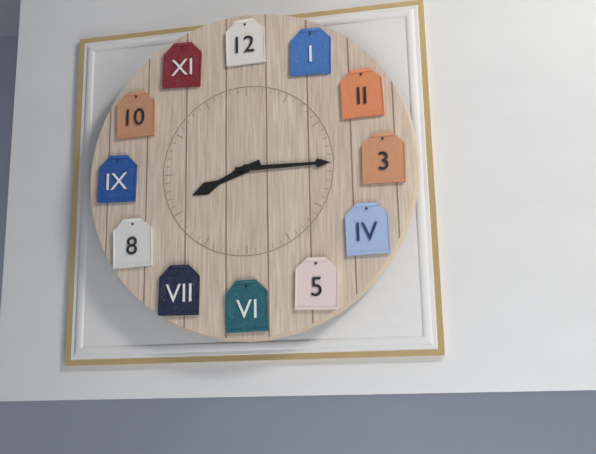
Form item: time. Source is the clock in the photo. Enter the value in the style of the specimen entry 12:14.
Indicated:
8:15
